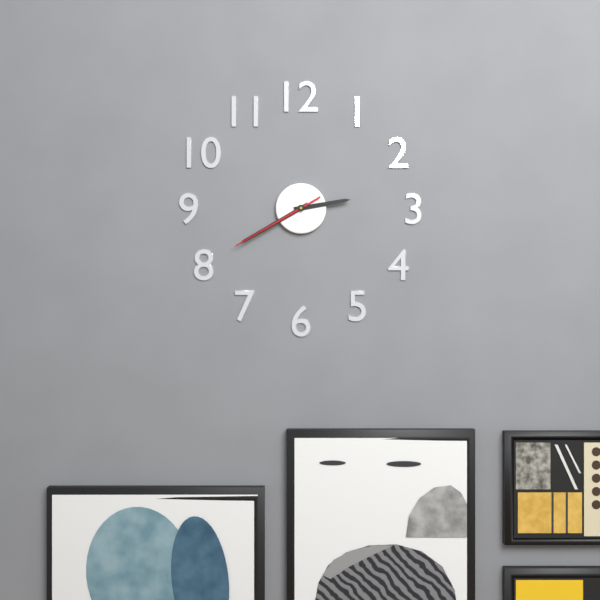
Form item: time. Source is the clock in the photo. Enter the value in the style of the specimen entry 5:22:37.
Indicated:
2:40:40
